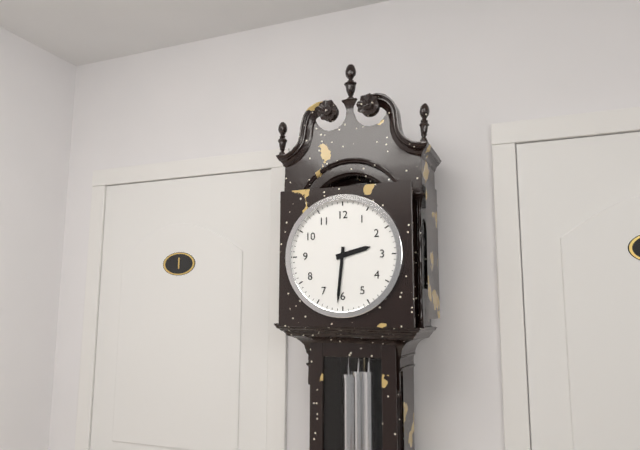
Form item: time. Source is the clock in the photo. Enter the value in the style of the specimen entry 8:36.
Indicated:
2:31
